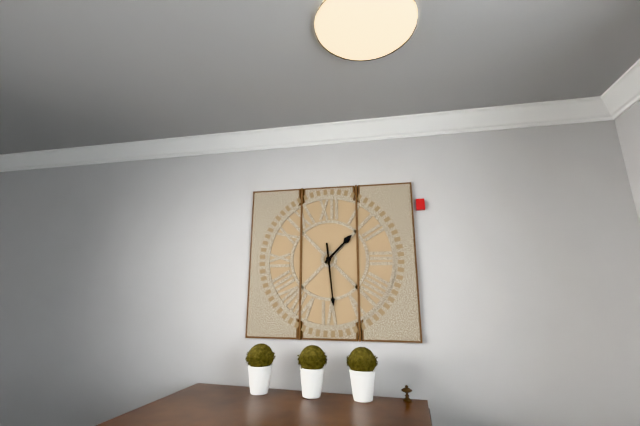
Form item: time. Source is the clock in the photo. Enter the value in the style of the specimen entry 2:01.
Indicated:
1:29
